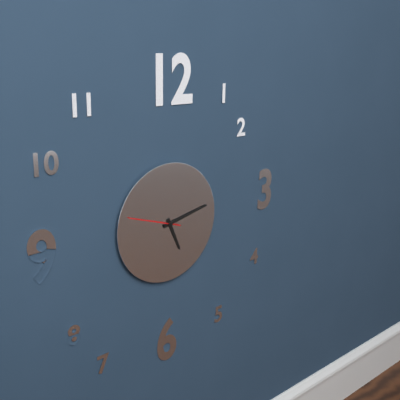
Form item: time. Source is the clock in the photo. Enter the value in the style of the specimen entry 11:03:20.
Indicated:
5:13:48
